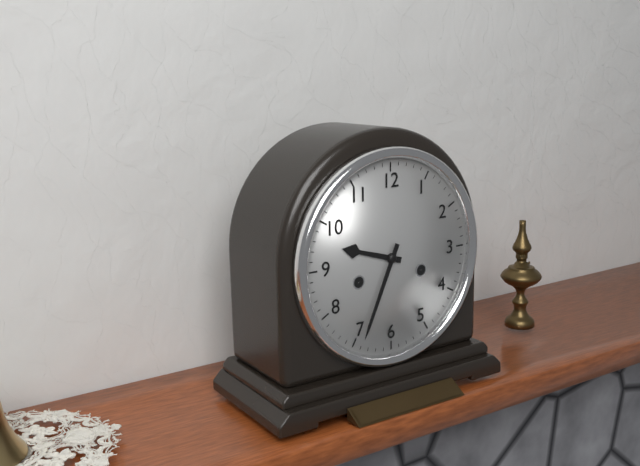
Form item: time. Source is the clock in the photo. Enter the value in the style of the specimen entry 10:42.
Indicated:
9:34
